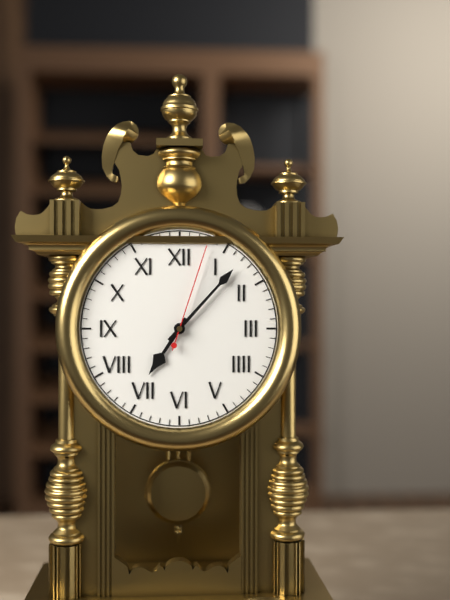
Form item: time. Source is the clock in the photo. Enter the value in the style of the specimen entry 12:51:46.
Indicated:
7:07:03
